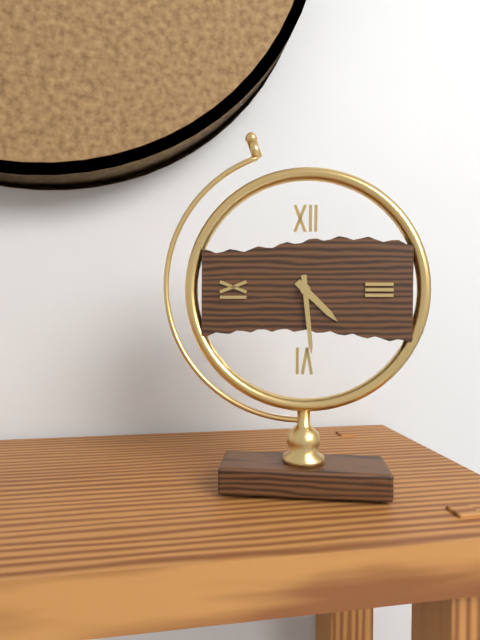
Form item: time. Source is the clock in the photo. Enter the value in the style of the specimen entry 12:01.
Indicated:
4:29
